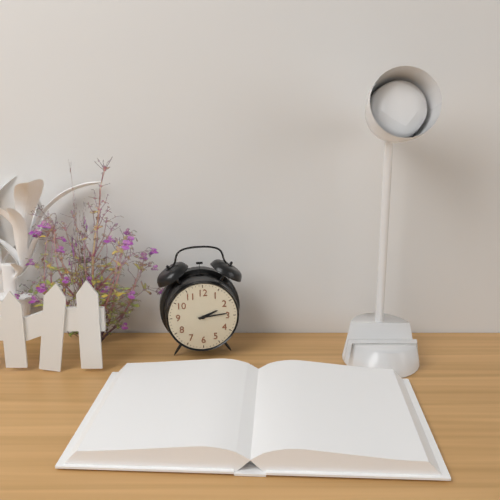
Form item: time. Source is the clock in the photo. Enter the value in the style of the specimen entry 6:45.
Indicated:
2:14
